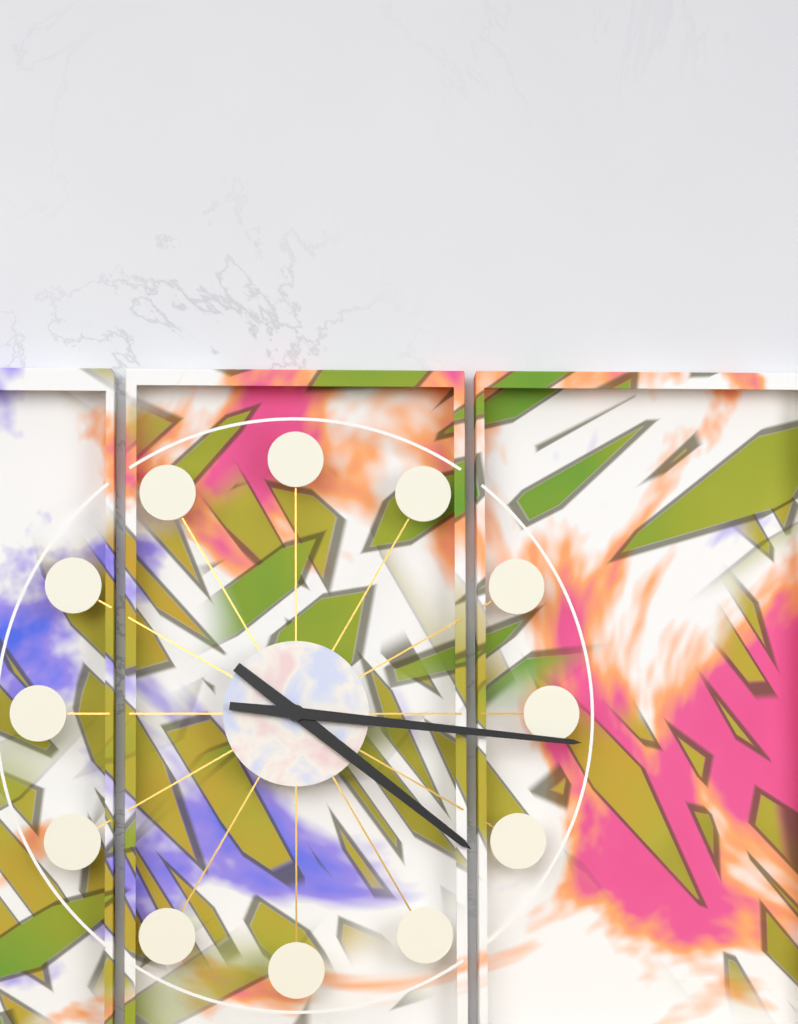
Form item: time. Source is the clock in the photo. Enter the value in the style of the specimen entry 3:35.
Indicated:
4:16
